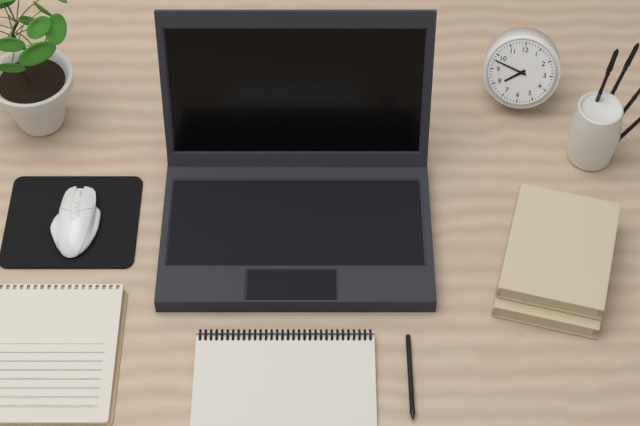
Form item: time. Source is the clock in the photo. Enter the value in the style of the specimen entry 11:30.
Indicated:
7:48
